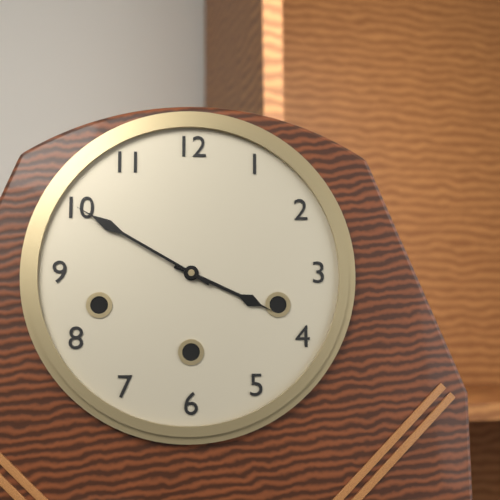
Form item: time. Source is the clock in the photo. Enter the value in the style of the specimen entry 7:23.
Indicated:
3:50
